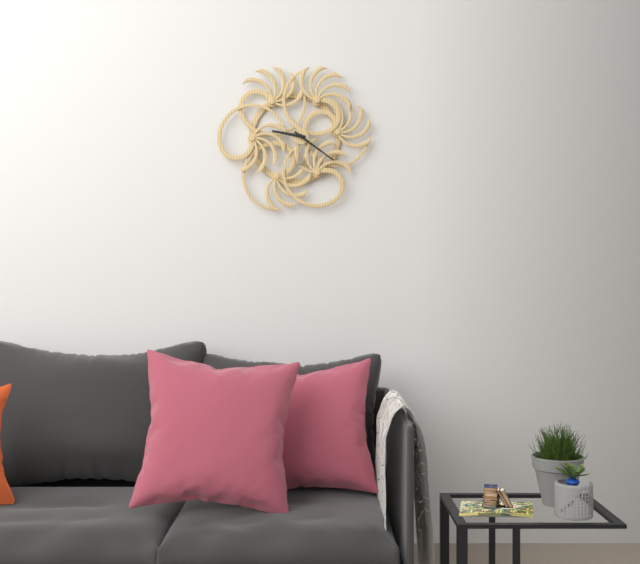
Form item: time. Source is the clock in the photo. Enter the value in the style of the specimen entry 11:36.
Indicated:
9:21
